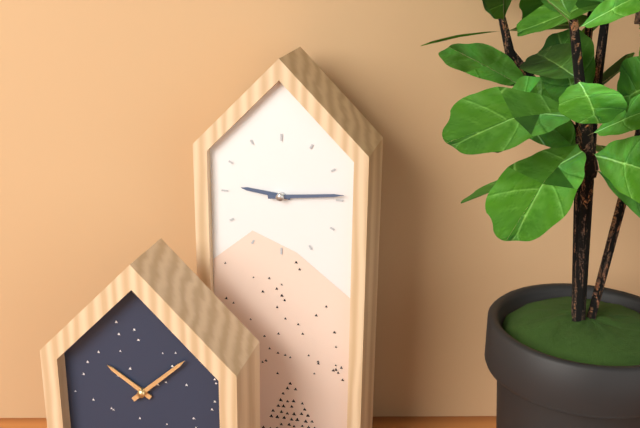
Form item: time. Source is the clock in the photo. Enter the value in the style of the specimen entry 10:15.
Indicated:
9:14
